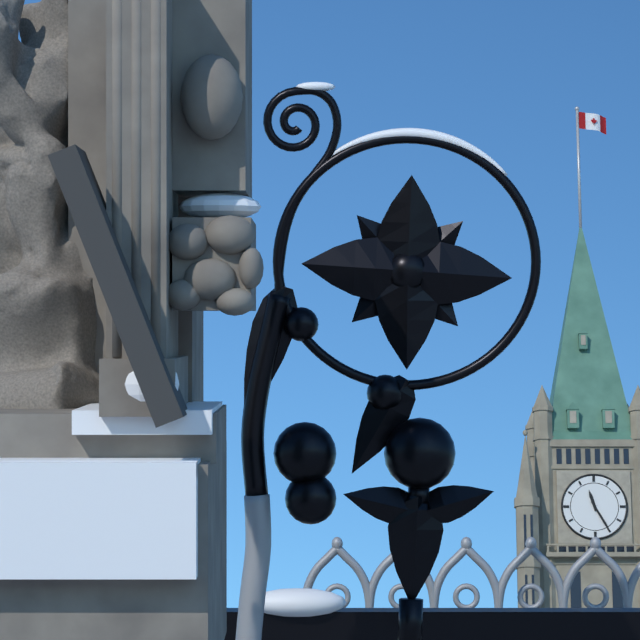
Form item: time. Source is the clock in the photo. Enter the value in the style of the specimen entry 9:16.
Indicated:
11:25
